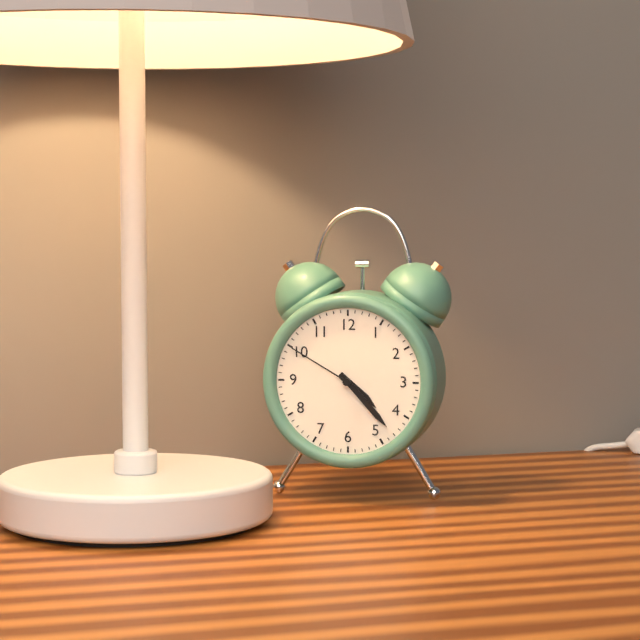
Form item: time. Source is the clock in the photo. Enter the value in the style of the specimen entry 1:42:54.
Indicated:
4:23:50
